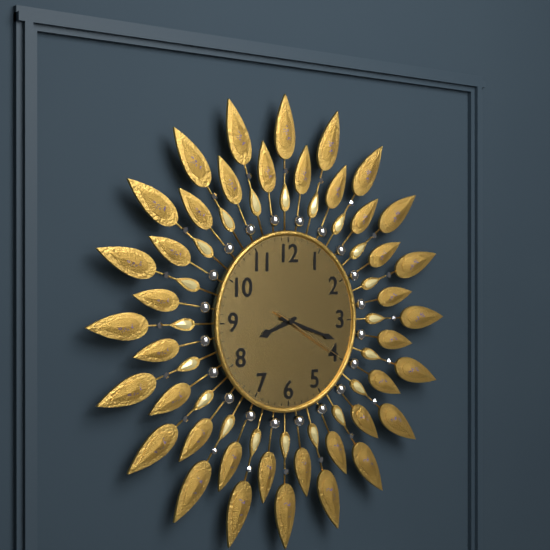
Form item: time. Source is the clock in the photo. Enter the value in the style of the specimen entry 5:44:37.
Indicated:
8:18:20
